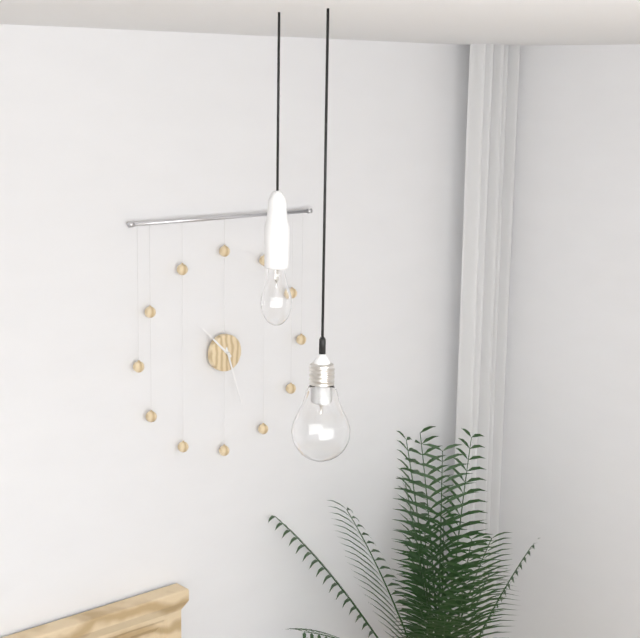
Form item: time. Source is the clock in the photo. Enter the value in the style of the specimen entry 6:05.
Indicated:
10:27
